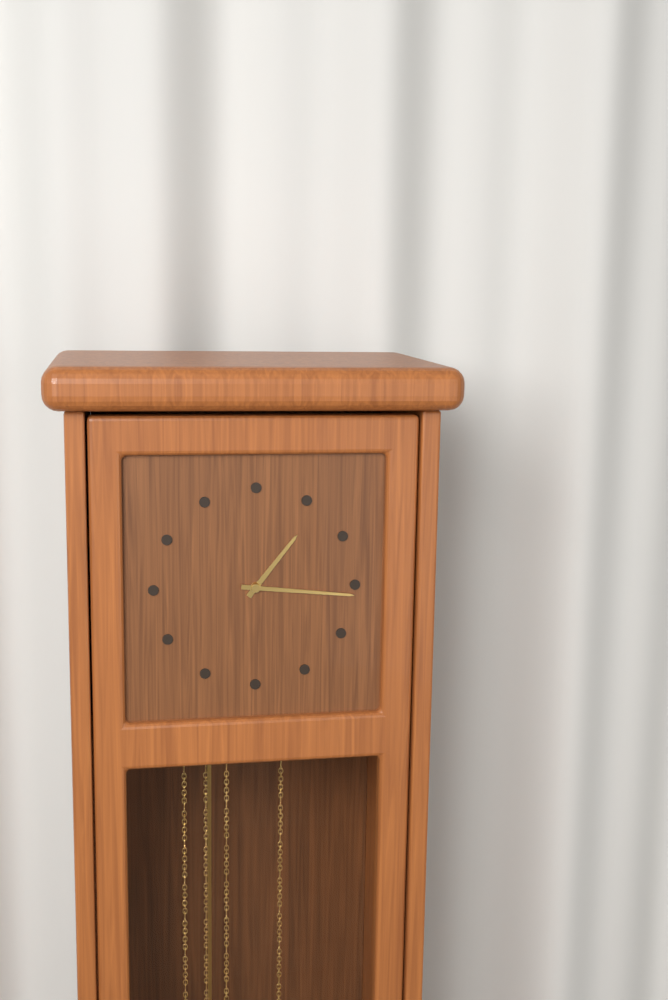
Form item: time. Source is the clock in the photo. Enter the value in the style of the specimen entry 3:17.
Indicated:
1:16
